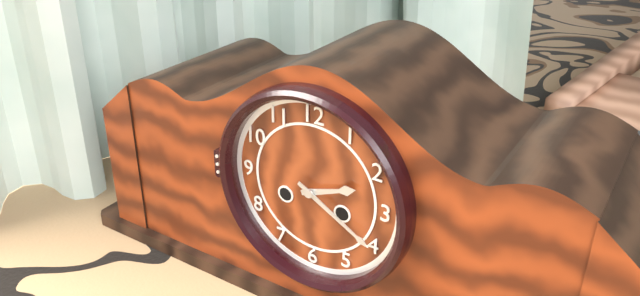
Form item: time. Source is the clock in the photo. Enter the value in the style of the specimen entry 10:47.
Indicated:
2:20
